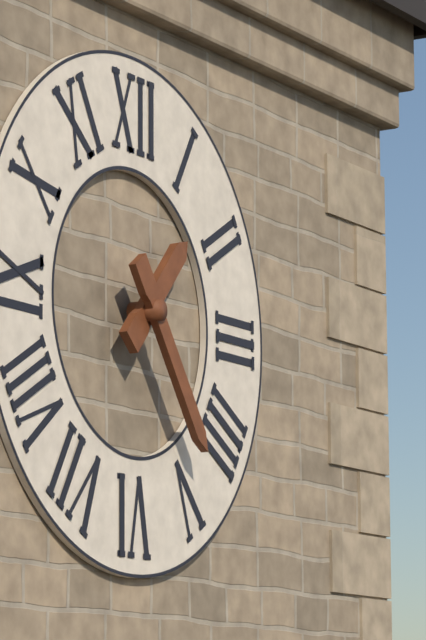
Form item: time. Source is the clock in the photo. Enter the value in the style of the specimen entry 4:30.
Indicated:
1:24
